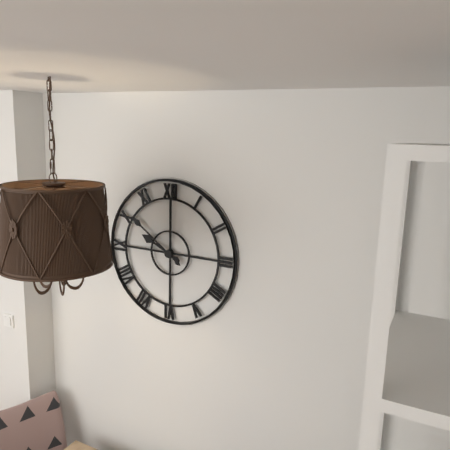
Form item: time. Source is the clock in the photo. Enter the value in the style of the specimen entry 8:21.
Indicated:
9:51
